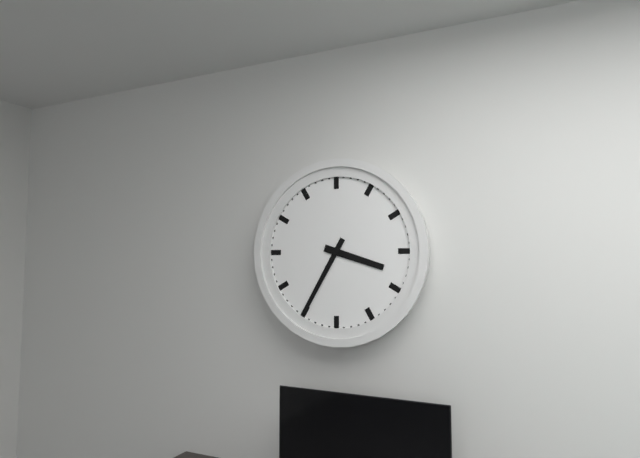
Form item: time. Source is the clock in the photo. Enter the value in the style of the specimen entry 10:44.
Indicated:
3:35
